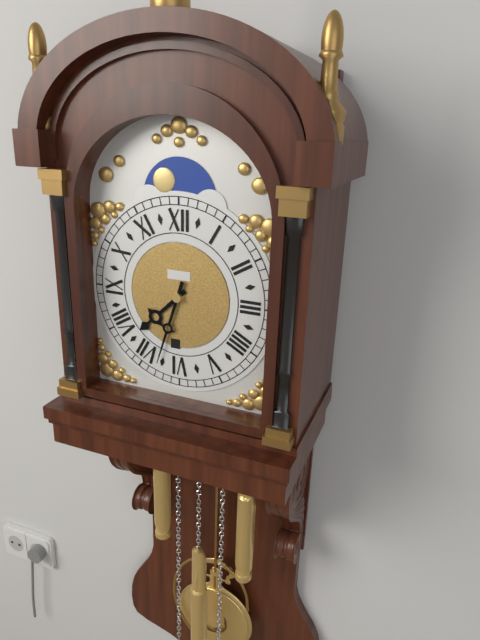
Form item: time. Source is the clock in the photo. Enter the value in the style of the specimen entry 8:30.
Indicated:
7:33
